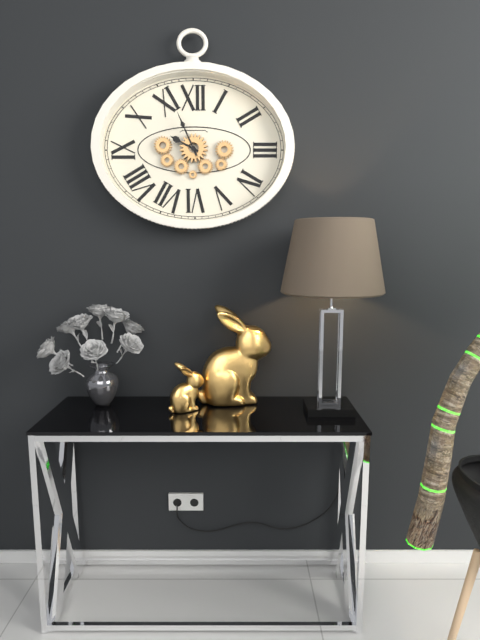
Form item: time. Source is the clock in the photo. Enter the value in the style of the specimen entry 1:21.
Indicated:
9:56
